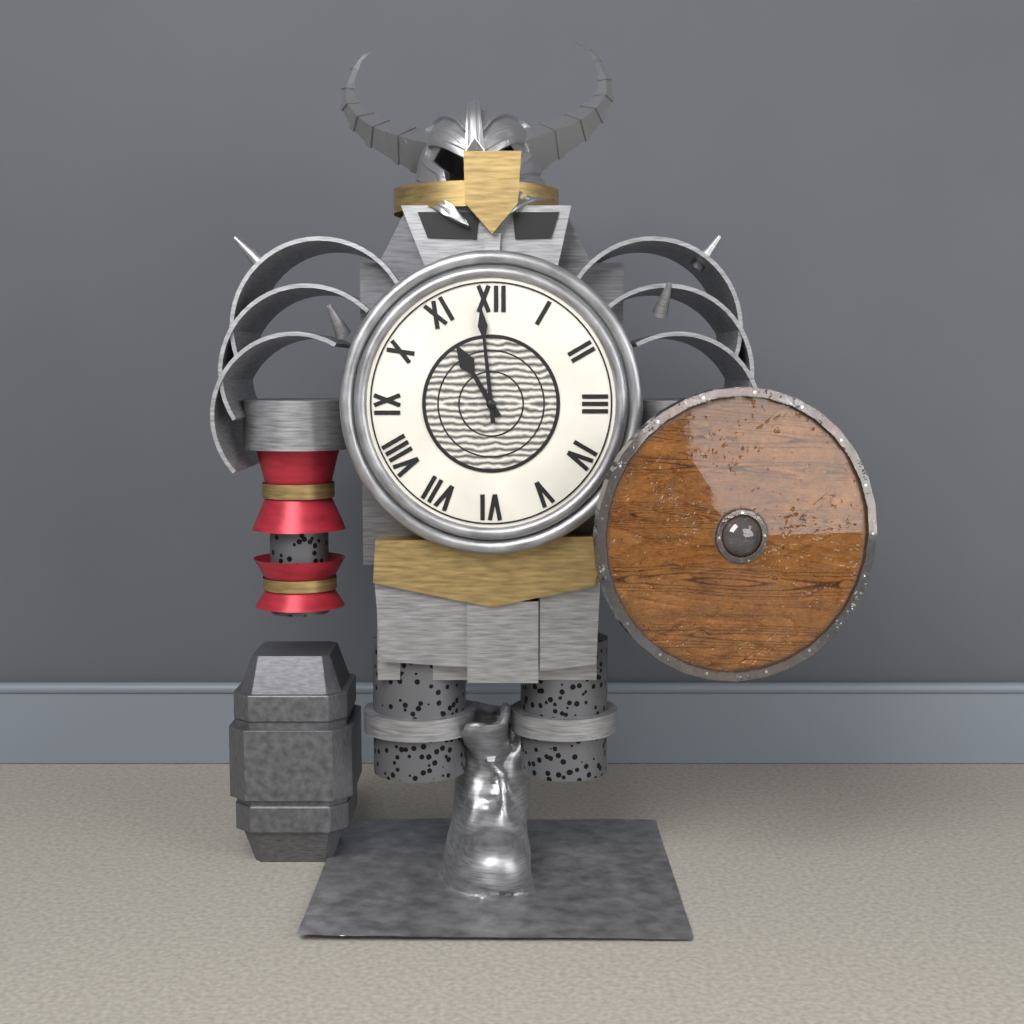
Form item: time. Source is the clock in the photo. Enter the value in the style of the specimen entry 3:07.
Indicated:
10:59
